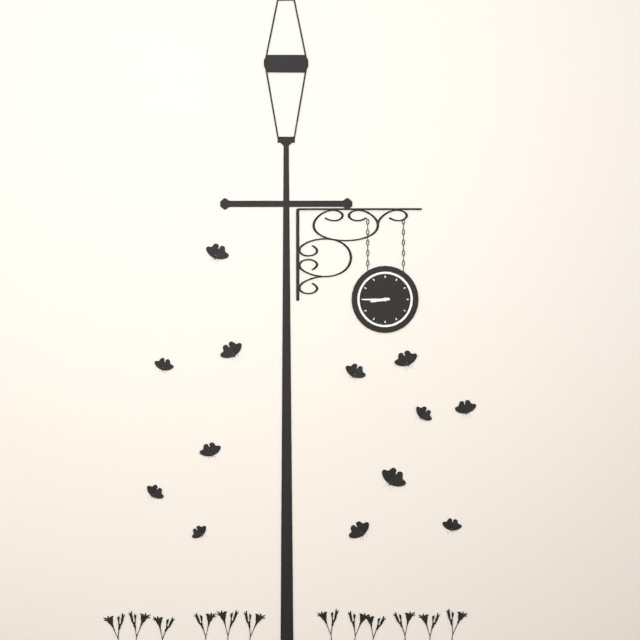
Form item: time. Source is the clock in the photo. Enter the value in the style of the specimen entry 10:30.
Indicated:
8:45
